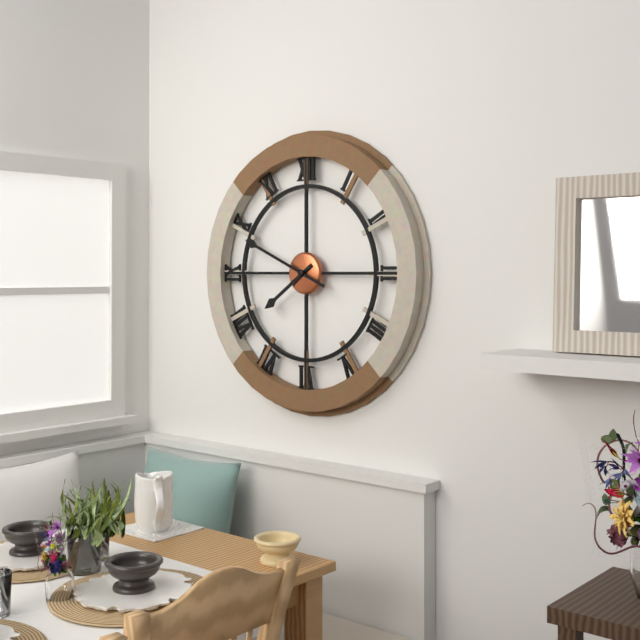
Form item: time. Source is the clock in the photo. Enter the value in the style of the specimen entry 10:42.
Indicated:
7:49
